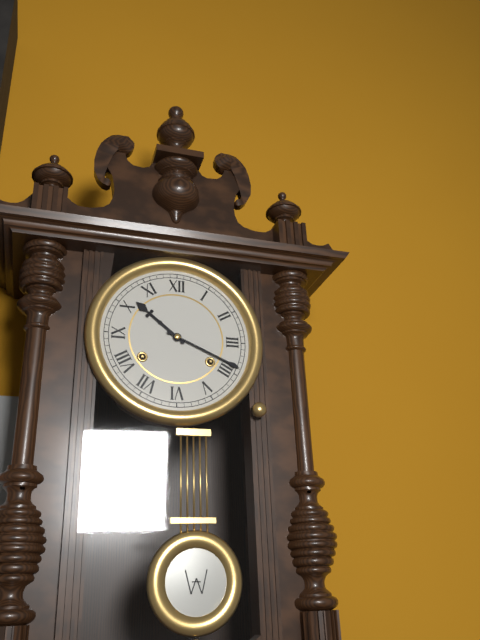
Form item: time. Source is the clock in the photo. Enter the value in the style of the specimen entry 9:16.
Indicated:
10:19
